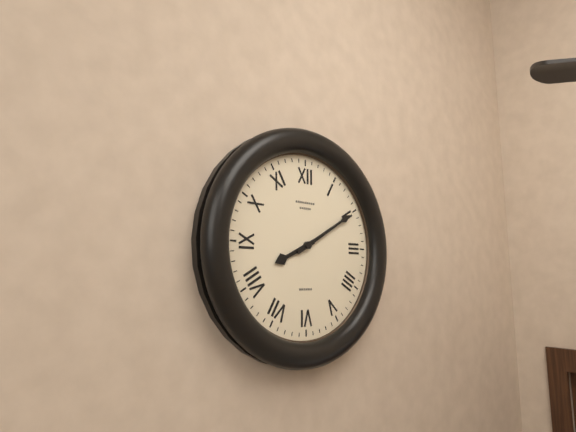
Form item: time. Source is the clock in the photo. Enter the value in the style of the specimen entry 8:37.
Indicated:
8:10
